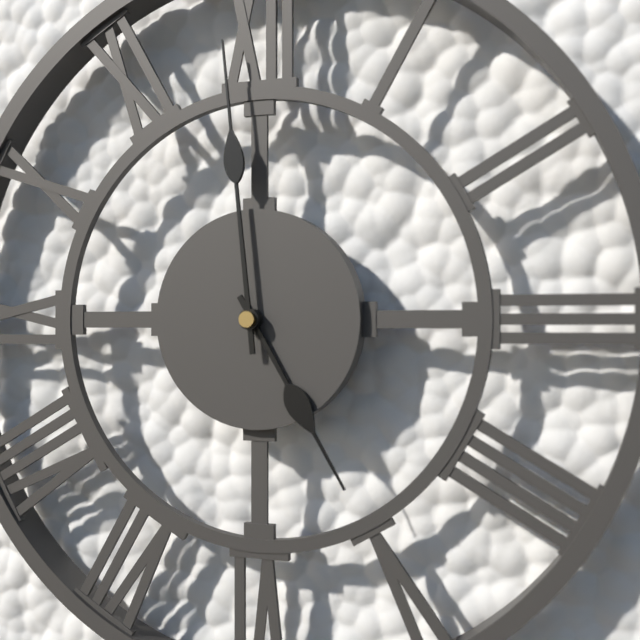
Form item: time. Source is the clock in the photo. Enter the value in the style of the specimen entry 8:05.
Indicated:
4:59
